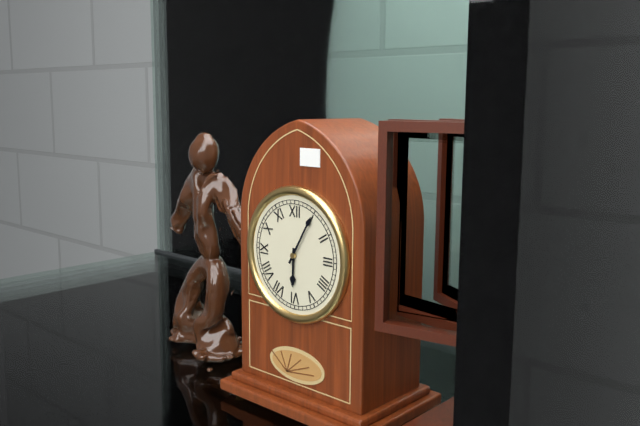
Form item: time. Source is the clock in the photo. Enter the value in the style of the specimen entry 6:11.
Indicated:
6:05
